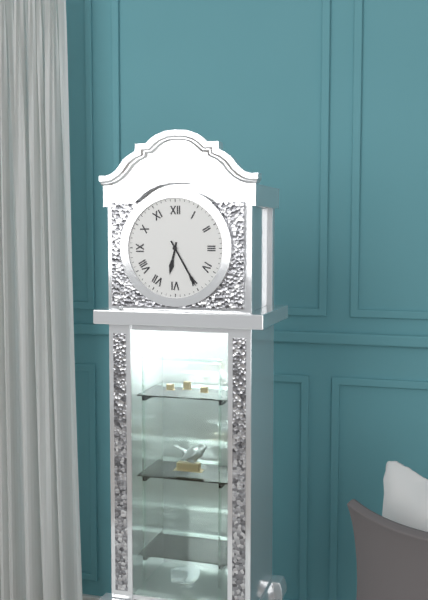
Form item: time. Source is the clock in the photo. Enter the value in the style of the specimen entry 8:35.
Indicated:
6:25
